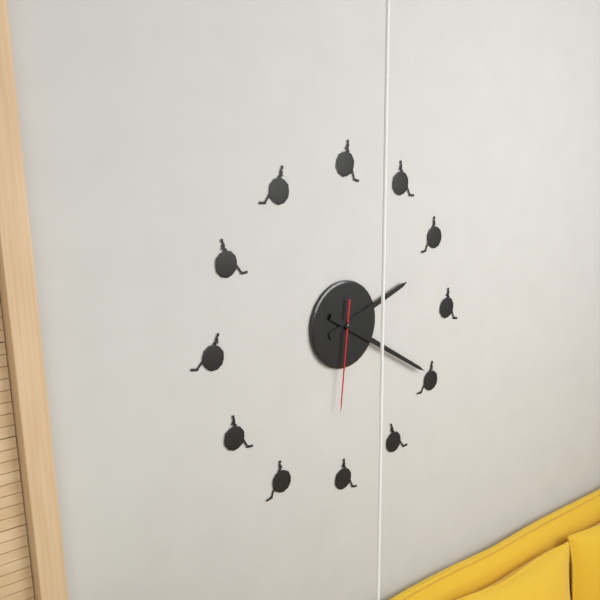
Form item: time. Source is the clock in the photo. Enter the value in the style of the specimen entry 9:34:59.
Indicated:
2:20:31
